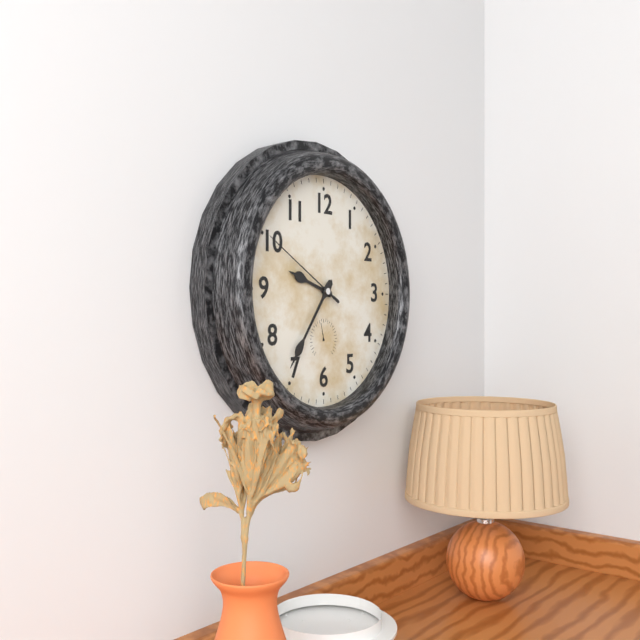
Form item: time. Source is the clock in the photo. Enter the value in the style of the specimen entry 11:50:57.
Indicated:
9:36:50
